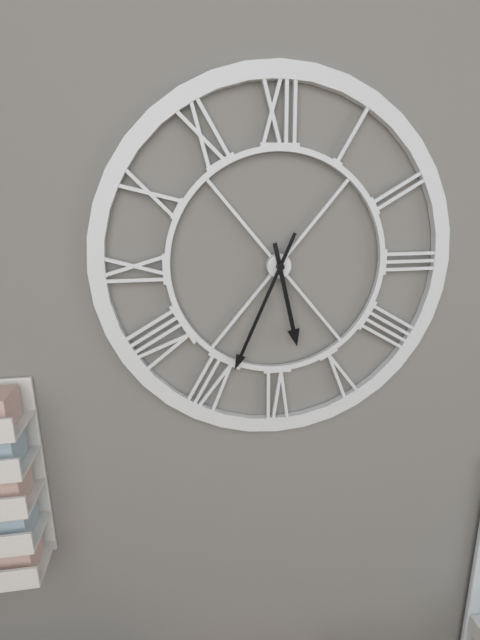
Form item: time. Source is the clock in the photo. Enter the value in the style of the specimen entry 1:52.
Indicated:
5:34
